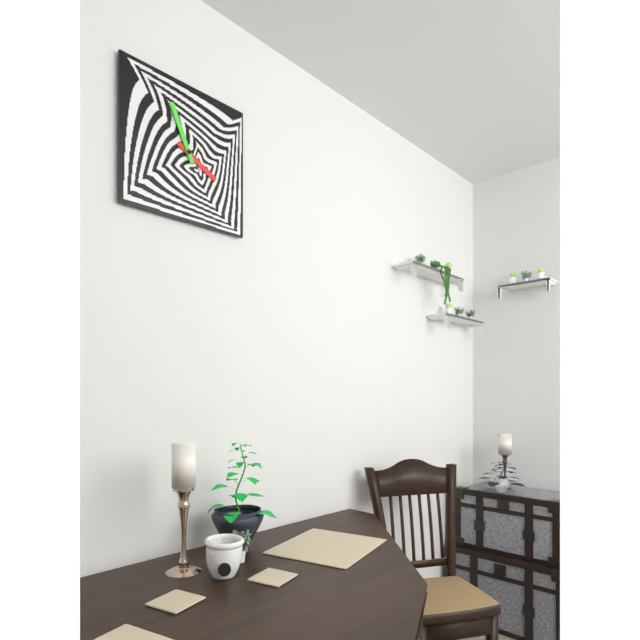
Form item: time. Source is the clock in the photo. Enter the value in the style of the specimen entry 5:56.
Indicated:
3:56
